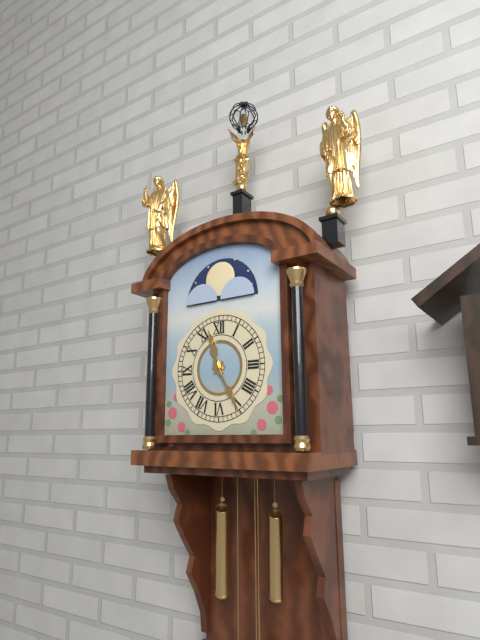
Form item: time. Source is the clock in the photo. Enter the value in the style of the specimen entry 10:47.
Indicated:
11:25
